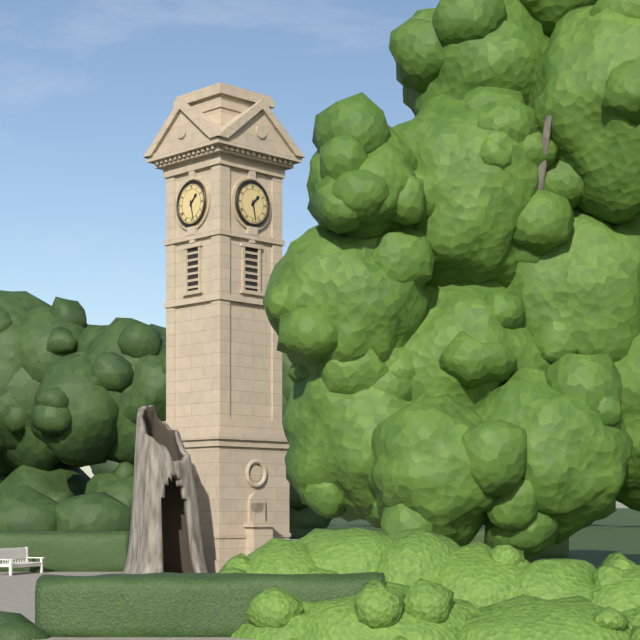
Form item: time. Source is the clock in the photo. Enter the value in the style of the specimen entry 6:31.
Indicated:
1:28
